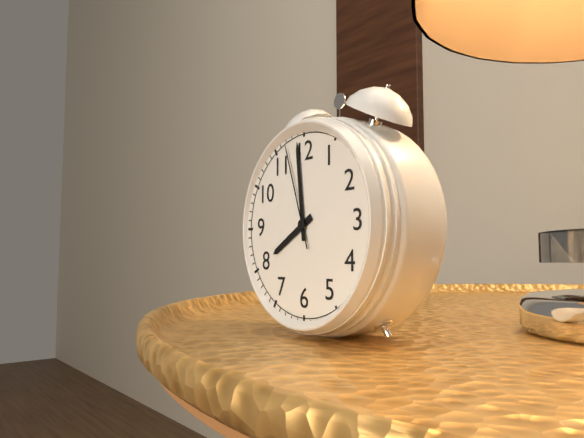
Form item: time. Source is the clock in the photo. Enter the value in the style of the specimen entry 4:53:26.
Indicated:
7:59:57
